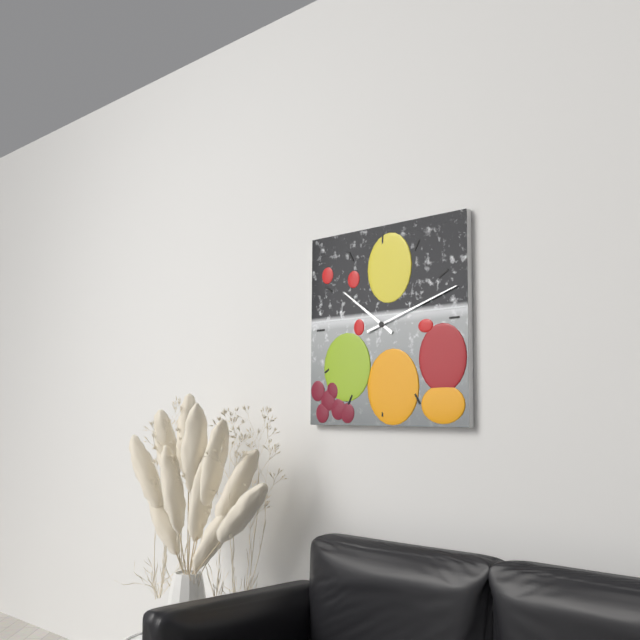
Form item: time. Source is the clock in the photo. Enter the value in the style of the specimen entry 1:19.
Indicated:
10:12
